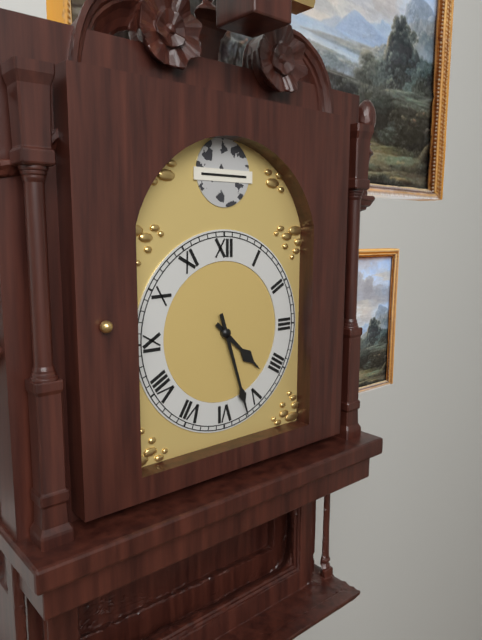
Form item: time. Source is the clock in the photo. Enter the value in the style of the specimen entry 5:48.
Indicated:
4:27
